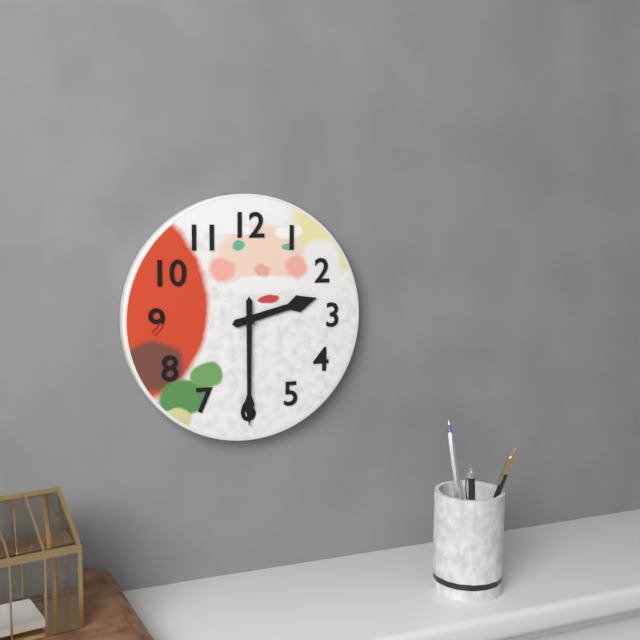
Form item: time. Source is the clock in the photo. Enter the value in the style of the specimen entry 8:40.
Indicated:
2:30
